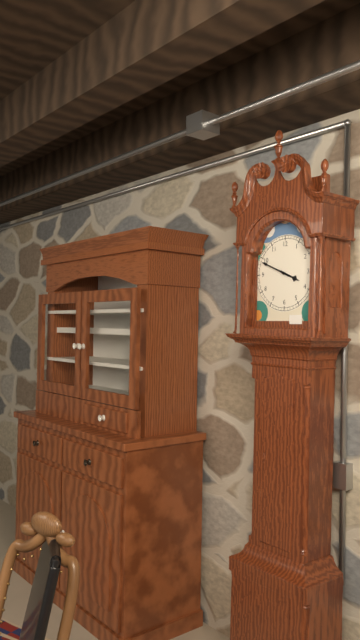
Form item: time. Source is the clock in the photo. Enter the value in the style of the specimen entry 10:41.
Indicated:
3:49
